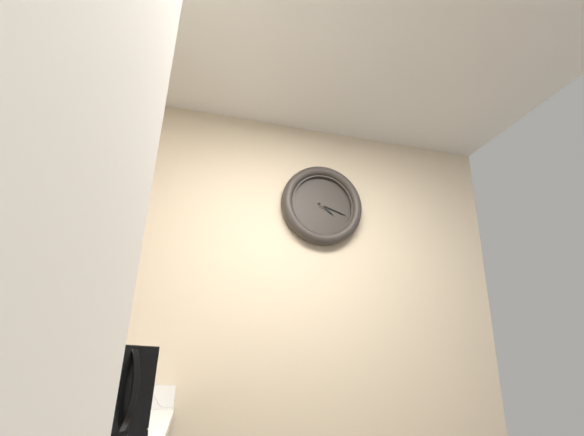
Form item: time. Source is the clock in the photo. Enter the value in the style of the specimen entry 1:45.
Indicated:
4:18
